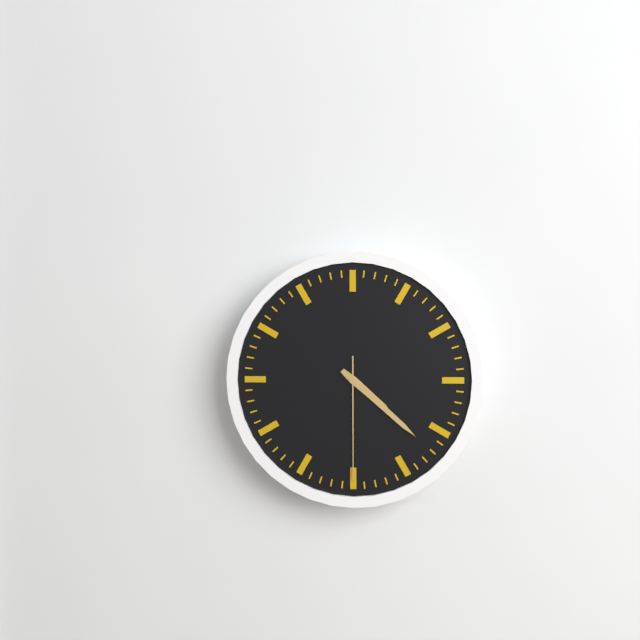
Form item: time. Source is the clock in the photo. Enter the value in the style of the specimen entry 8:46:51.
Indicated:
4:22:30
